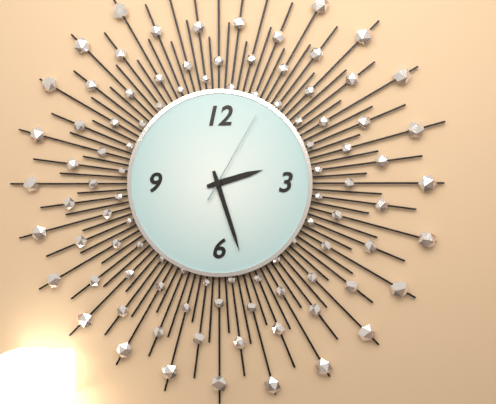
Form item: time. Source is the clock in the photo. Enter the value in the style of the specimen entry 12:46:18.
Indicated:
2:27:05
